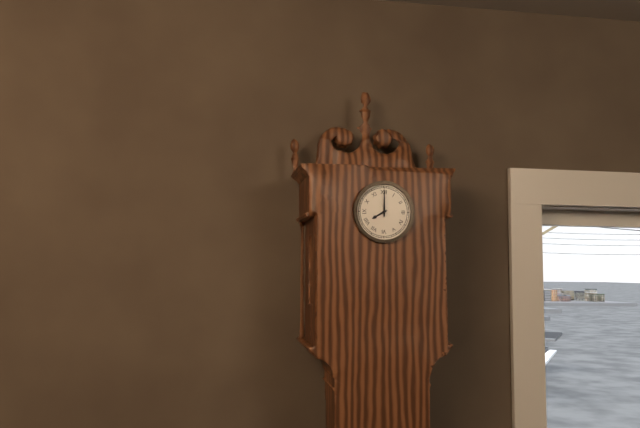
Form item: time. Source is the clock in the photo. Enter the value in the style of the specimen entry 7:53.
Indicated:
8:00
